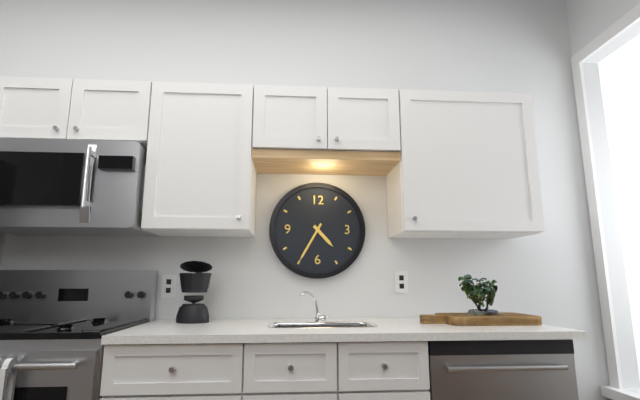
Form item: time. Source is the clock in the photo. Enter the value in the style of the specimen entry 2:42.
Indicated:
4:35
